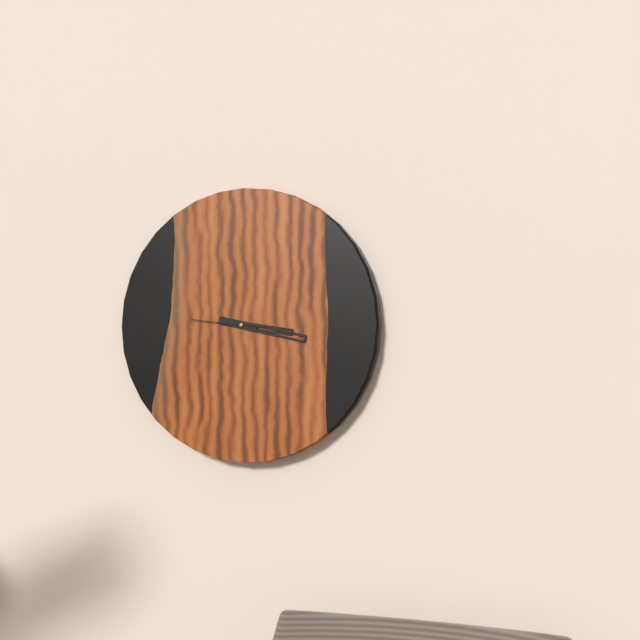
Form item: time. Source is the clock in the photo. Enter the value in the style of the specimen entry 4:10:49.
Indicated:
3:17:46
